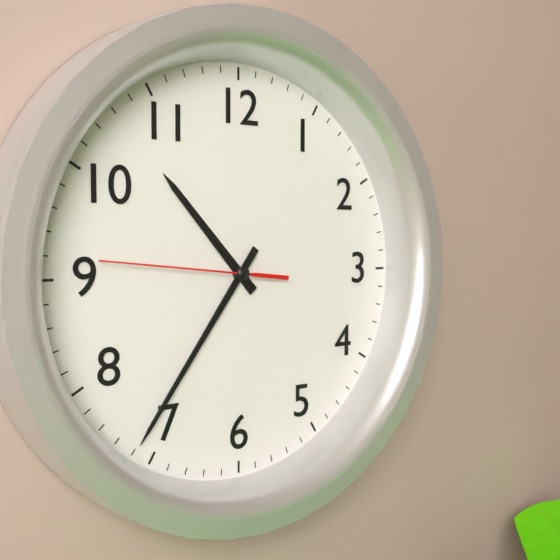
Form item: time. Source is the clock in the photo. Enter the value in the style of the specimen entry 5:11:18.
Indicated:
10:36:46
